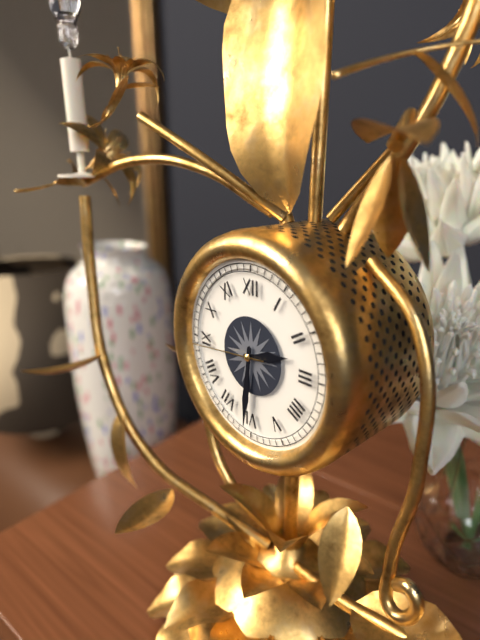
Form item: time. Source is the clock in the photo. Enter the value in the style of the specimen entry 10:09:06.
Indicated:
2:31:44
